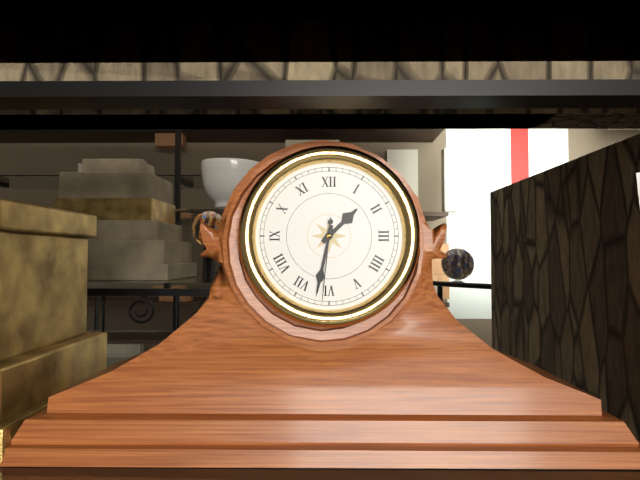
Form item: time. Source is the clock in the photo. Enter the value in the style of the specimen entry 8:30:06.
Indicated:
1:32:31
